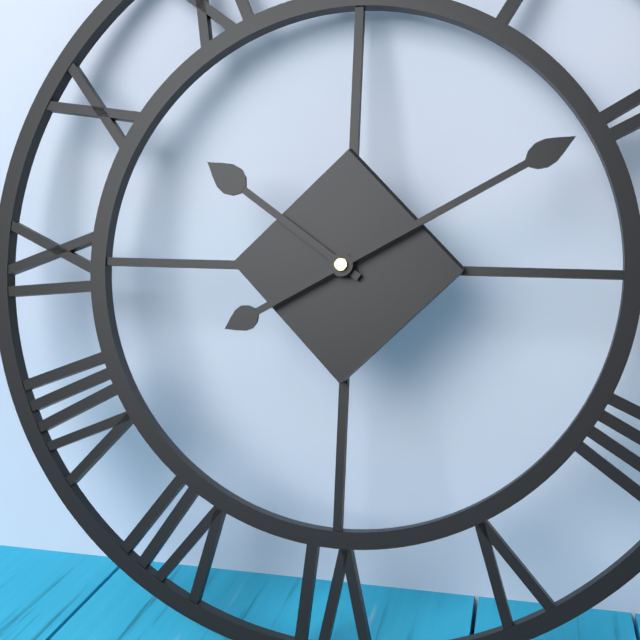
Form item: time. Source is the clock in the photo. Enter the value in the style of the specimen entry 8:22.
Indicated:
10:10
